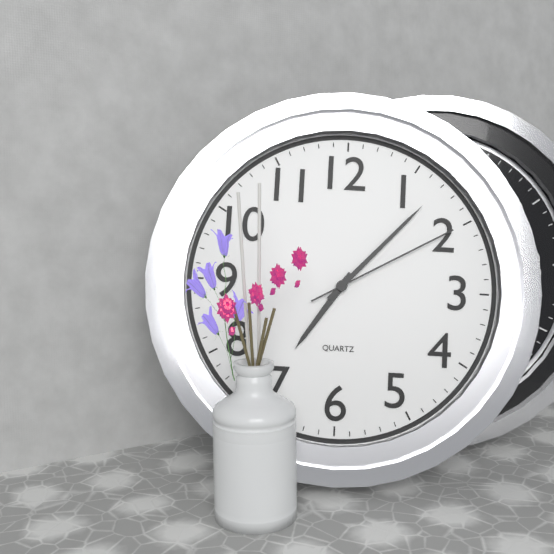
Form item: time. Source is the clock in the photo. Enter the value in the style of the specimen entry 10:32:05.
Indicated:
7:07:10
